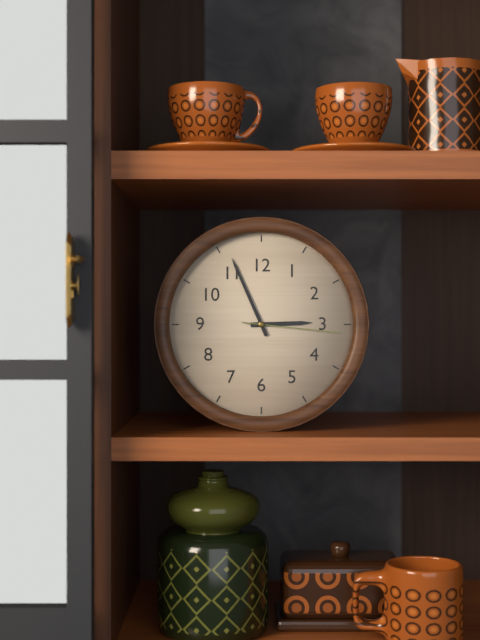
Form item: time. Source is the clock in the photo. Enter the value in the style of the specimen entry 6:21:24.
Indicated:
2:56:16
